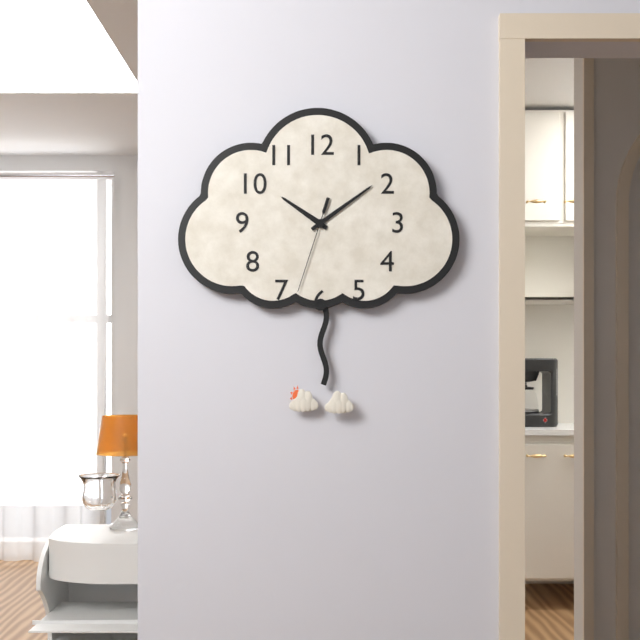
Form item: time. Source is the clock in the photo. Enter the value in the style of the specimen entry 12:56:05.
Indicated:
10:09:33
